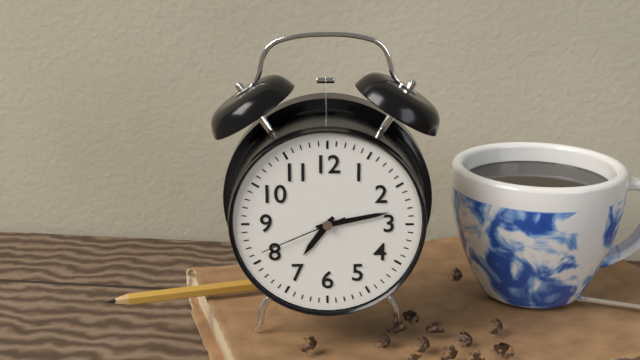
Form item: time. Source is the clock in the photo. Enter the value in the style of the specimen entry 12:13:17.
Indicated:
7:13:41
